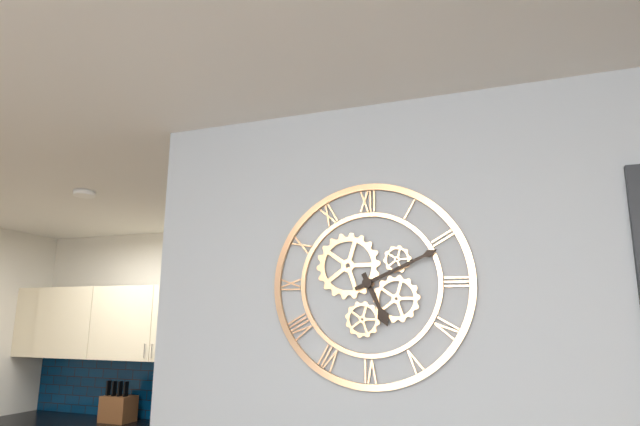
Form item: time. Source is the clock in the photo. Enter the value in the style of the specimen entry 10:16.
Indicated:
5:11
